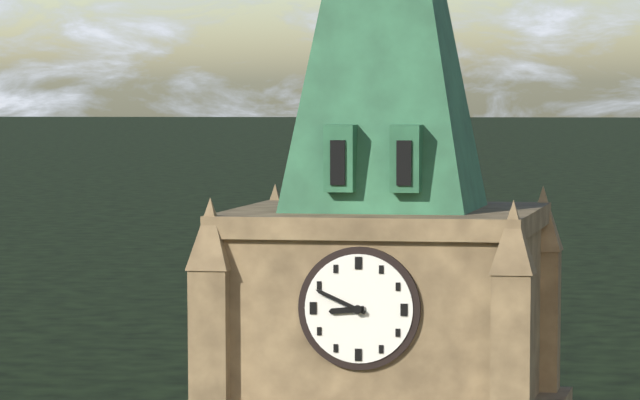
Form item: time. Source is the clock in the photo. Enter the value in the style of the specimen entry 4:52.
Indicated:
8:49
